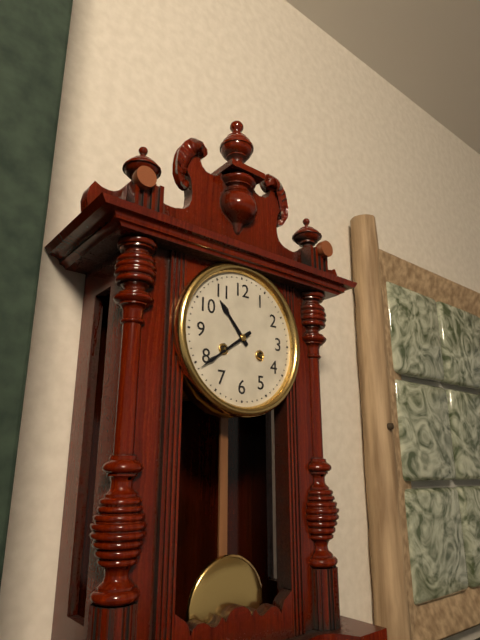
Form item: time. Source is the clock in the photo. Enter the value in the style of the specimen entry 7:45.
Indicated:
10:39
